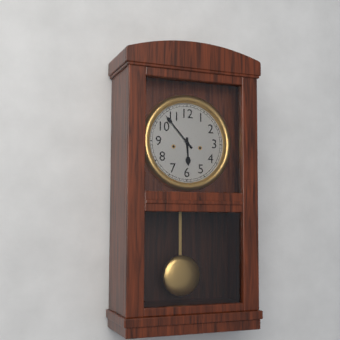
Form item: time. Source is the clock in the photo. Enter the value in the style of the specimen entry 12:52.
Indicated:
5:53
